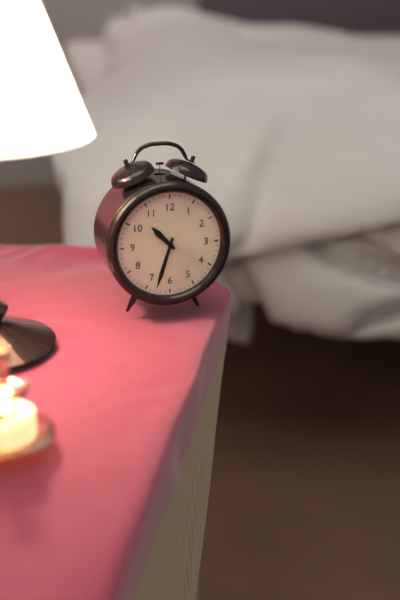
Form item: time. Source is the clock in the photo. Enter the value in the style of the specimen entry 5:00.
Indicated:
10:33
